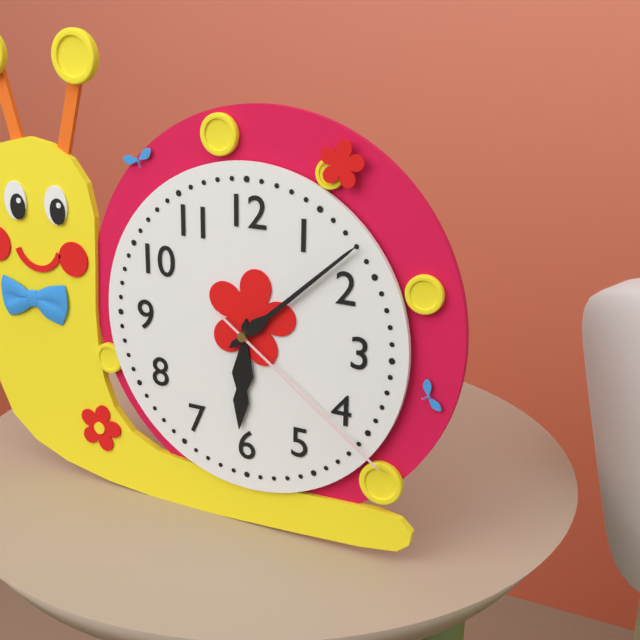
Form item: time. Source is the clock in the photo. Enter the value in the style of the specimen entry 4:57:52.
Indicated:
6:08:21
